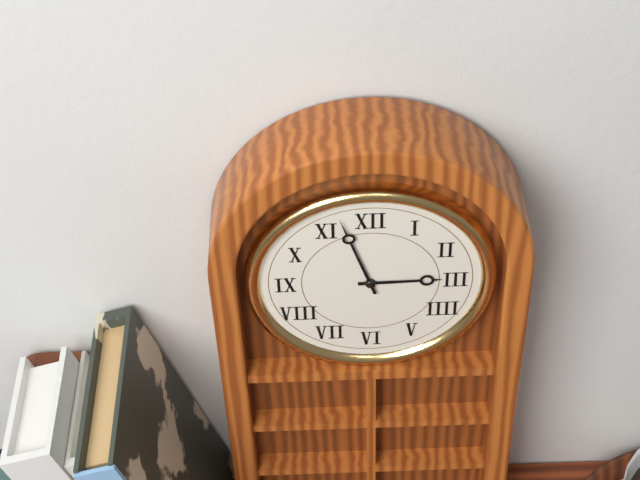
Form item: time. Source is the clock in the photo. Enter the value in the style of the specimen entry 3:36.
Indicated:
2:57
